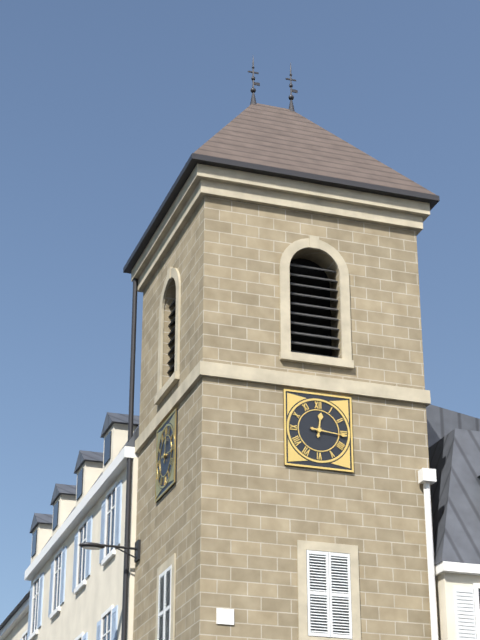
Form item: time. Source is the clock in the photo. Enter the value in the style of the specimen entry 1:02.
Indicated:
12:16
